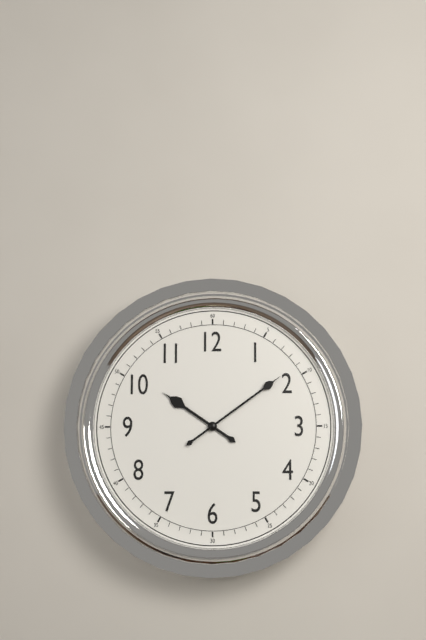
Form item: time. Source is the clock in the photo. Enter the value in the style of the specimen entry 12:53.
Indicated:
10:09
